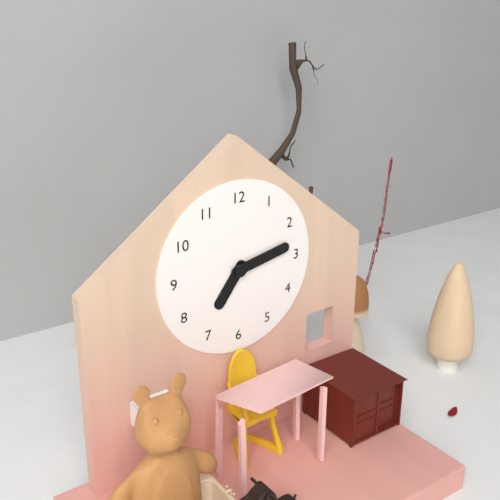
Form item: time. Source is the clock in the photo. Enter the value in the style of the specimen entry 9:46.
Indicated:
7:13
